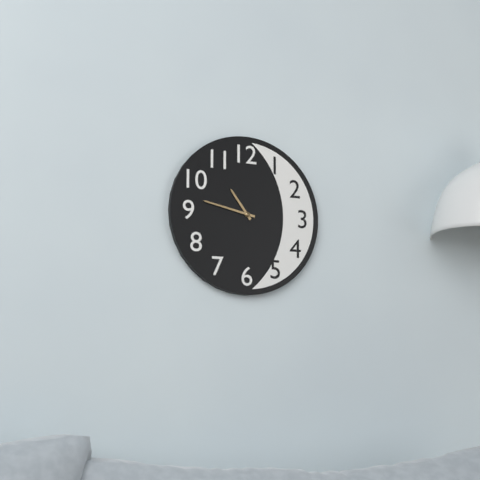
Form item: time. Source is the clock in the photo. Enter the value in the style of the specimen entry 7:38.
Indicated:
10:47
